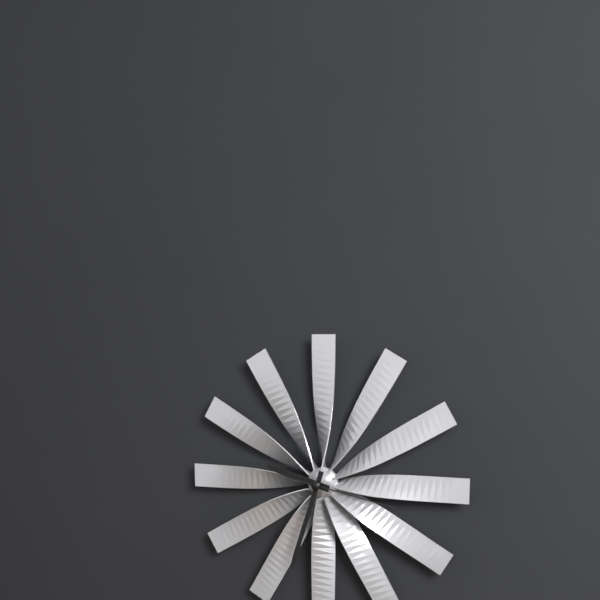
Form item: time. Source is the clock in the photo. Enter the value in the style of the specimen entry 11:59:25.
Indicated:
9:33:17
